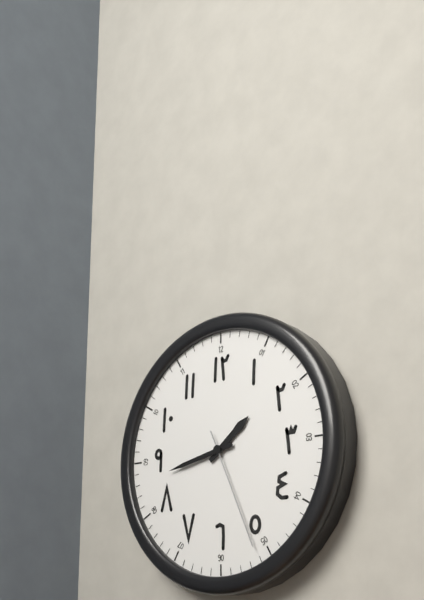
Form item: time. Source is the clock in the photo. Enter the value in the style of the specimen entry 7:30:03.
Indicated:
1:43:26
